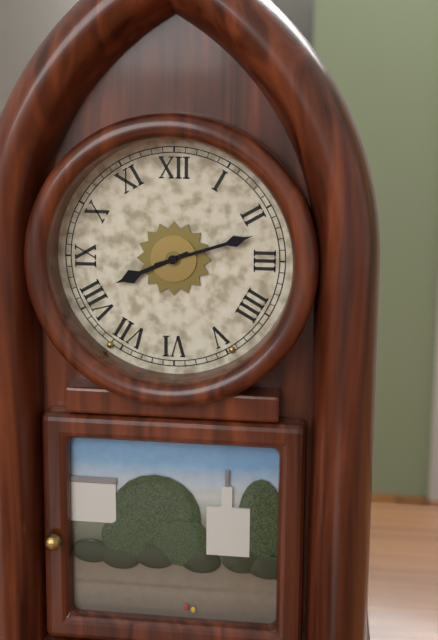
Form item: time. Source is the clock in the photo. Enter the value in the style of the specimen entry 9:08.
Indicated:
8:12
